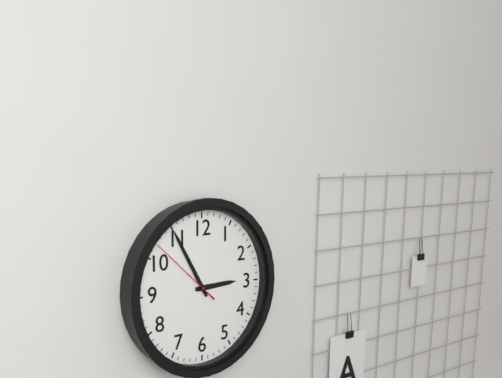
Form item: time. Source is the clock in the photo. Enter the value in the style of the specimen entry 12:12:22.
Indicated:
2:55:52
